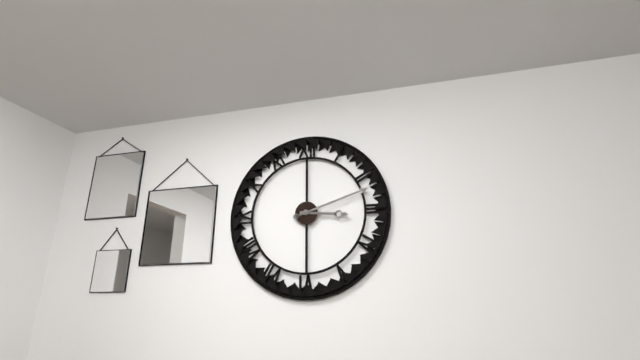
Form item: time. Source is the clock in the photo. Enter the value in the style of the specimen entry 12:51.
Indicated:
3:12
